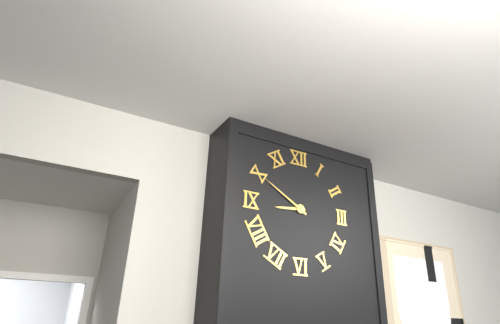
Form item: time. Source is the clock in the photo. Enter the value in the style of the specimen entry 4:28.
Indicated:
8:50
